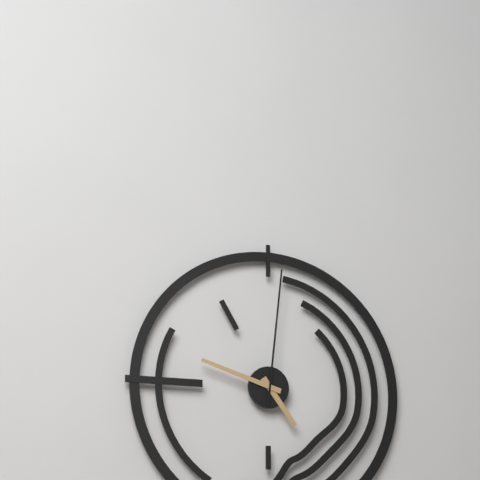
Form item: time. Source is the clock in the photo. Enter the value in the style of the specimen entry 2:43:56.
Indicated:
4:48:01
